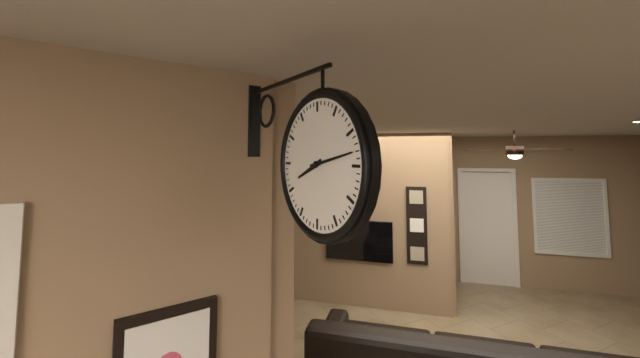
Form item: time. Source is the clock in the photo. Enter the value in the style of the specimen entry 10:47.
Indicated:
8:13
